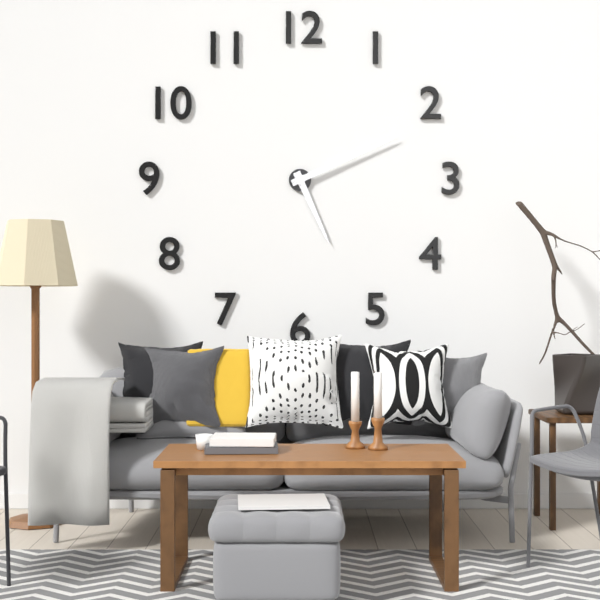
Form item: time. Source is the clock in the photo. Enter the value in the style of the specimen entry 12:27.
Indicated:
5:11
